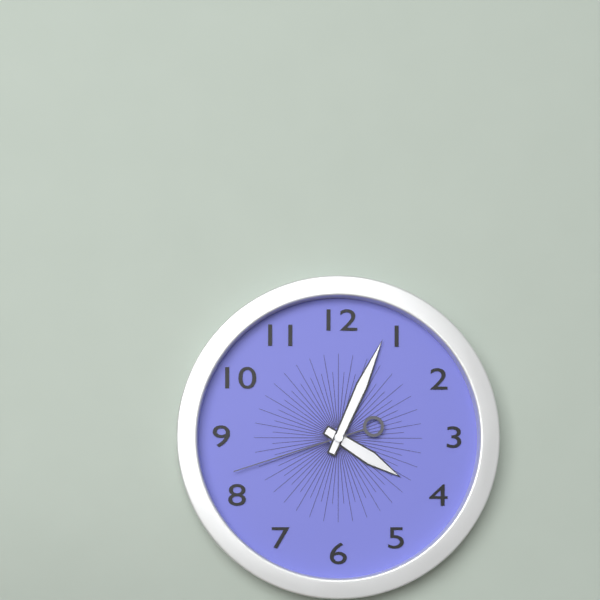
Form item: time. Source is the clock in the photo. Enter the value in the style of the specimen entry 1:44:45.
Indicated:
4:04:42
